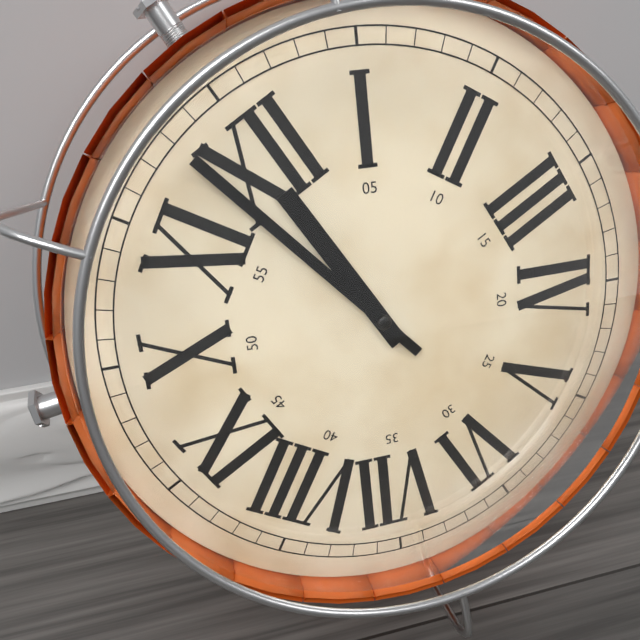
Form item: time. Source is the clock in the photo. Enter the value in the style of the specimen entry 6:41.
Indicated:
11:58
